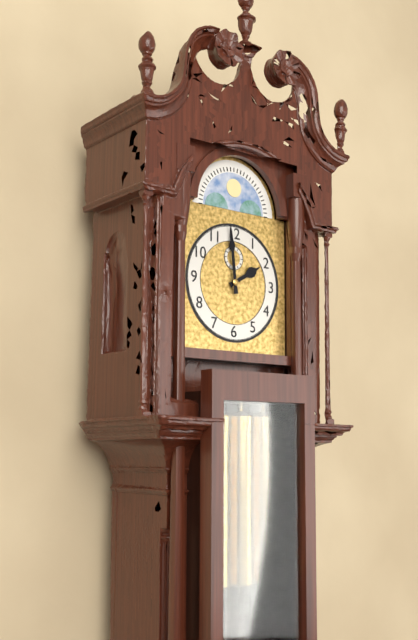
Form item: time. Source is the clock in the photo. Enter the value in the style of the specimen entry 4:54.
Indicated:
1:59
